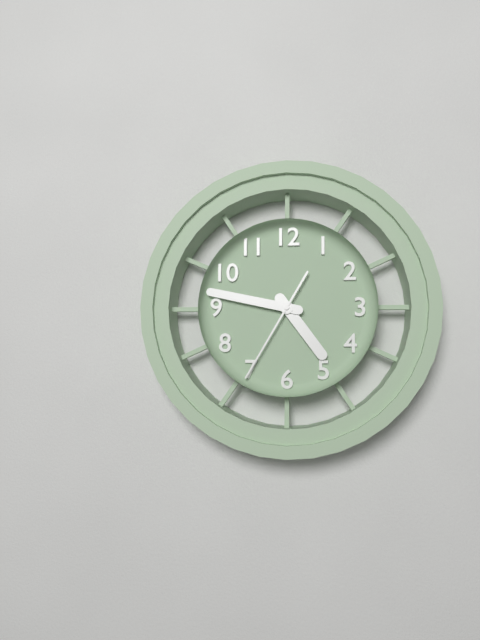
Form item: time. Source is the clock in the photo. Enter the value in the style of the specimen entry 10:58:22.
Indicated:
4:47:35
